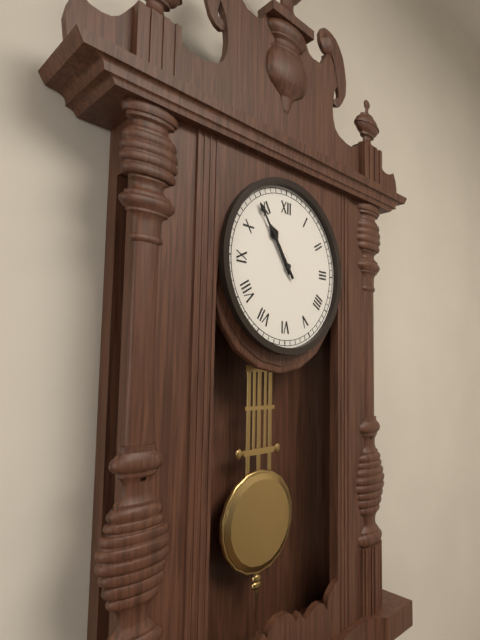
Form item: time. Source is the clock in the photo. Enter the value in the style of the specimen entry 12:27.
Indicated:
10:54
